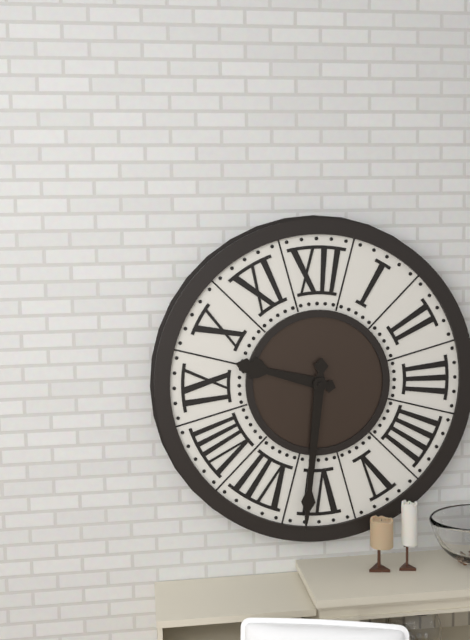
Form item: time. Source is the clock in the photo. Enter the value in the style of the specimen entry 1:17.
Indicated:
9:31
